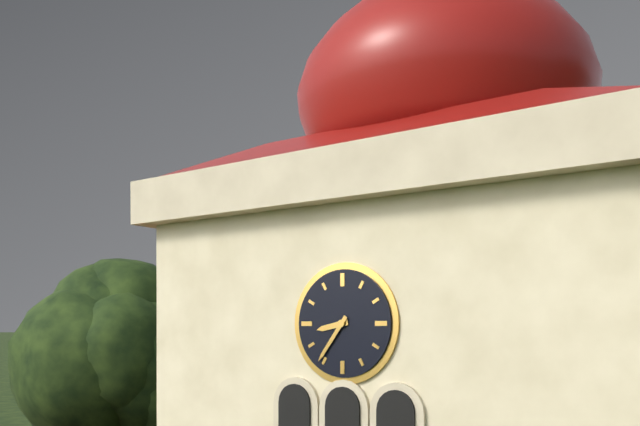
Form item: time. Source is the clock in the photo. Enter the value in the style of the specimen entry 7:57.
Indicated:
8:36
